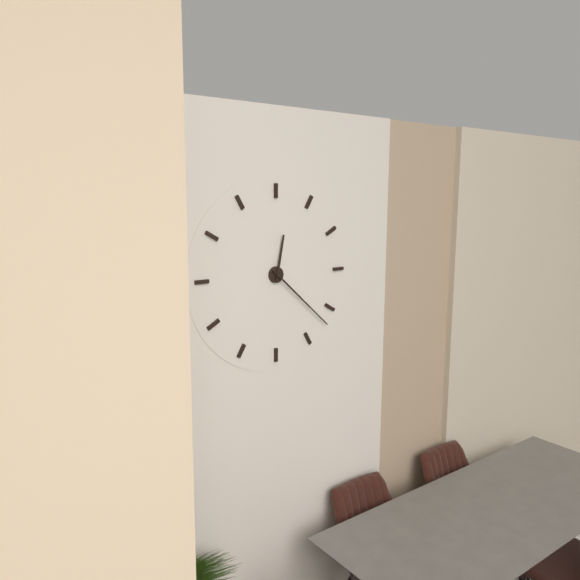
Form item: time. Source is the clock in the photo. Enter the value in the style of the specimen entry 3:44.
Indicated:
12:22
